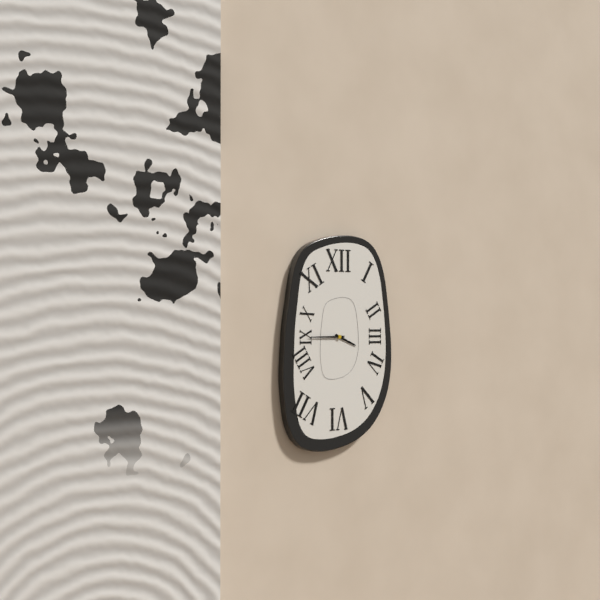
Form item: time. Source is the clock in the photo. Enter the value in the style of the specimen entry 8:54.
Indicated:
3:45
